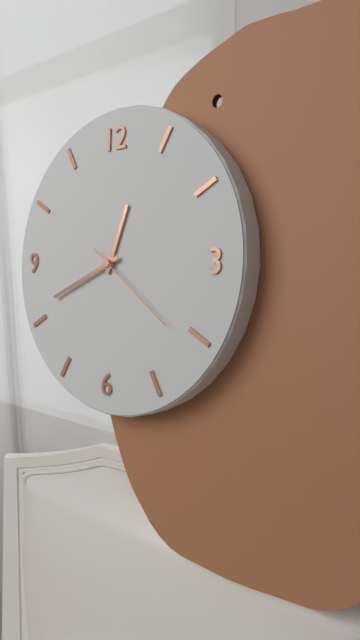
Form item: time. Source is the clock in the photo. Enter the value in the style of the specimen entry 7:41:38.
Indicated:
12:41:21
